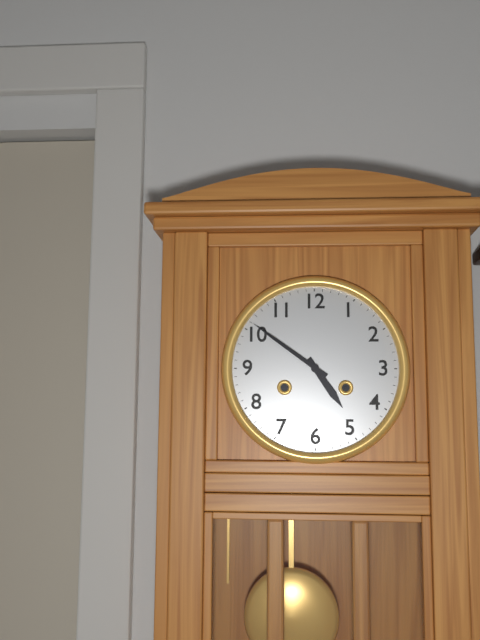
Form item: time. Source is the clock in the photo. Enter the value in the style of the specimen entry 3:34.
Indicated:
4:51
